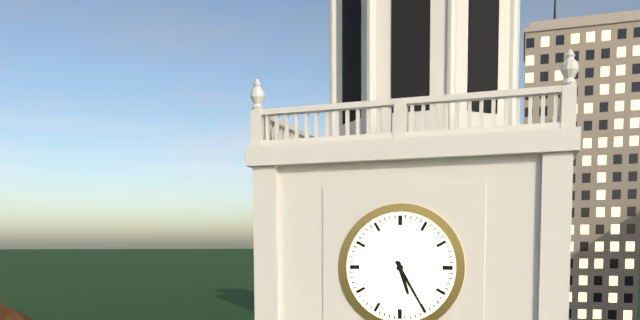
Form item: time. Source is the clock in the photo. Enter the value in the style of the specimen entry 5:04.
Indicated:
5:25
